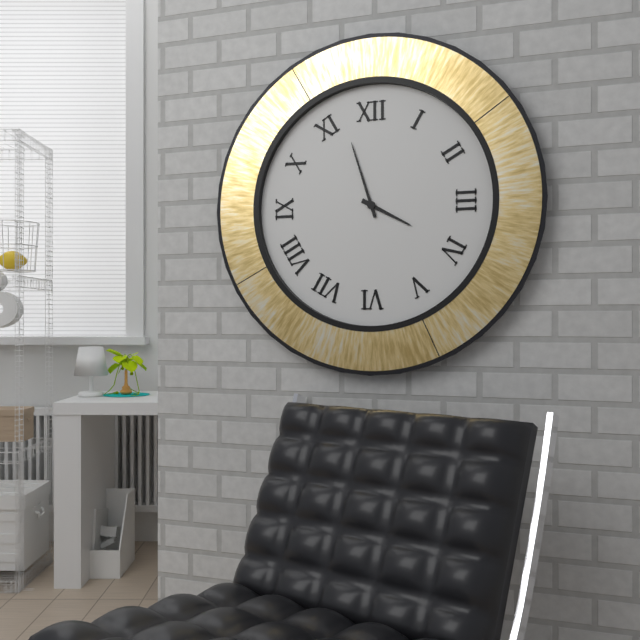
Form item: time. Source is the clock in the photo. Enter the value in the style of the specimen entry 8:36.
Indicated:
3:57
